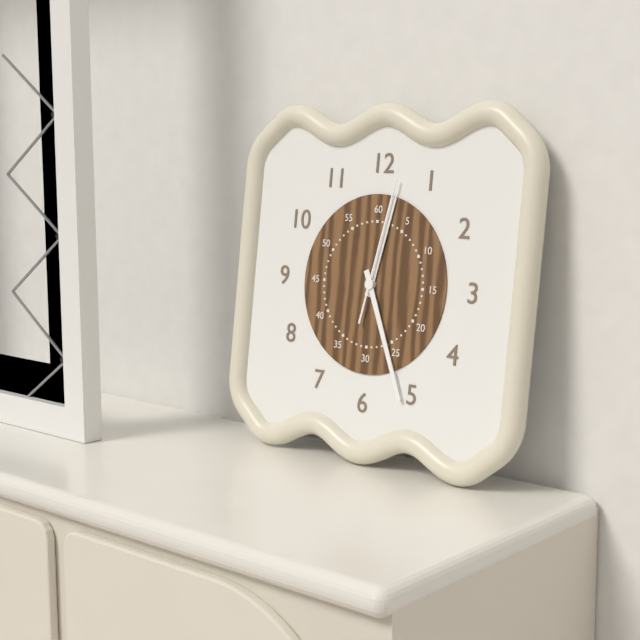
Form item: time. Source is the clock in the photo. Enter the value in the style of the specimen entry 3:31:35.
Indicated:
12:26:02
